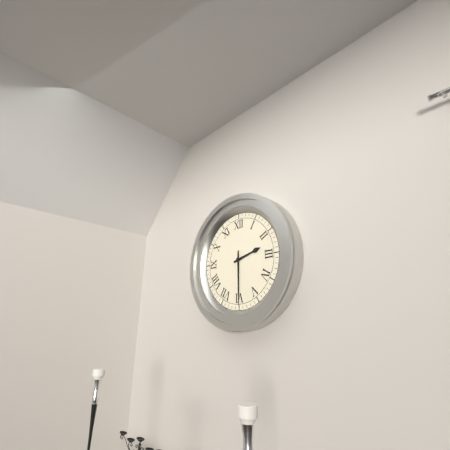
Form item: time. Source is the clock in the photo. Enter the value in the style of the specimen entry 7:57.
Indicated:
2:30
